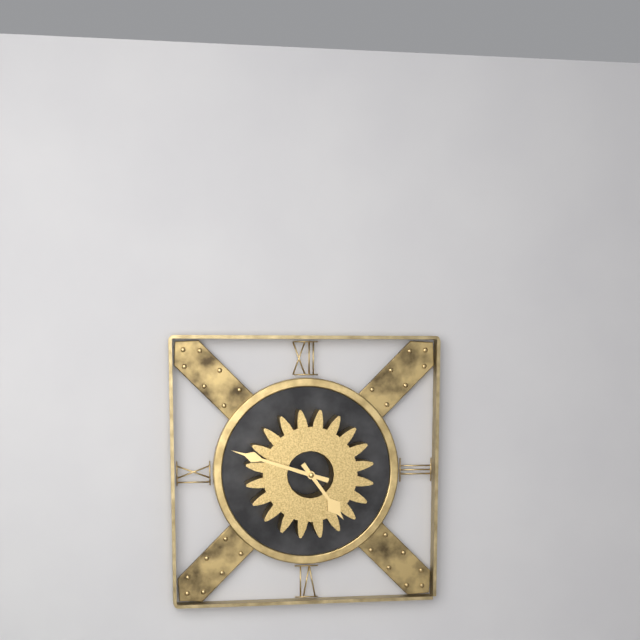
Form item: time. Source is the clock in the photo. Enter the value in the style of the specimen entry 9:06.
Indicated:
4:48
